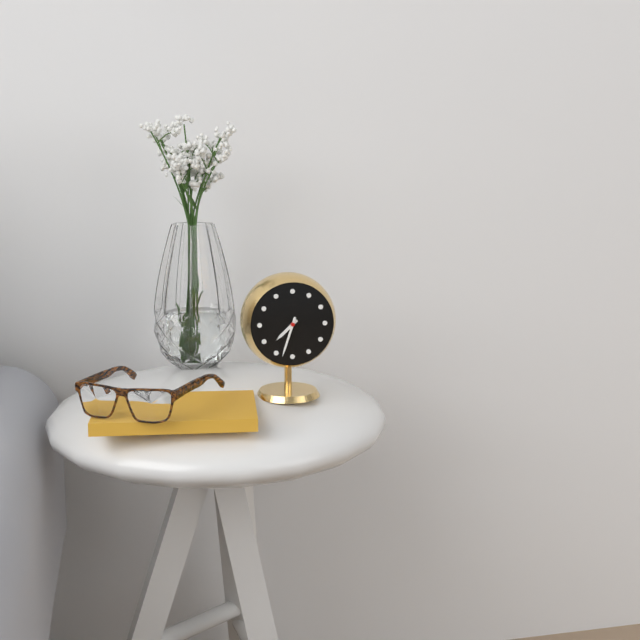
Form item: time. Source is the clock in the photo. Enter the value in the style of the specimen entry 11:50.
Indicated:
7:33
